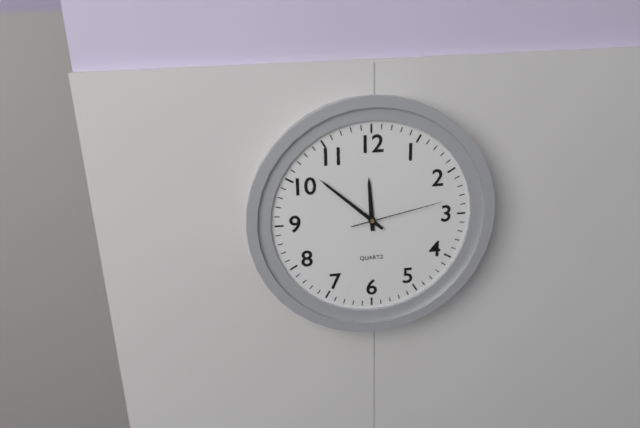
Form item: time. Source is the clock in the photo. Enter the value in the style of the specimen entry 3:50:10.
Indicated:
11:52:13
